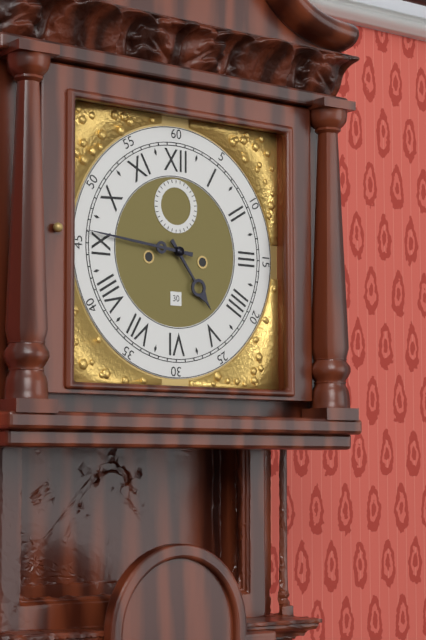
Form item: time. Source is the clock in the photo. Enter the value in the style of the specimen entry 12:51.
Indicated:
4:46
